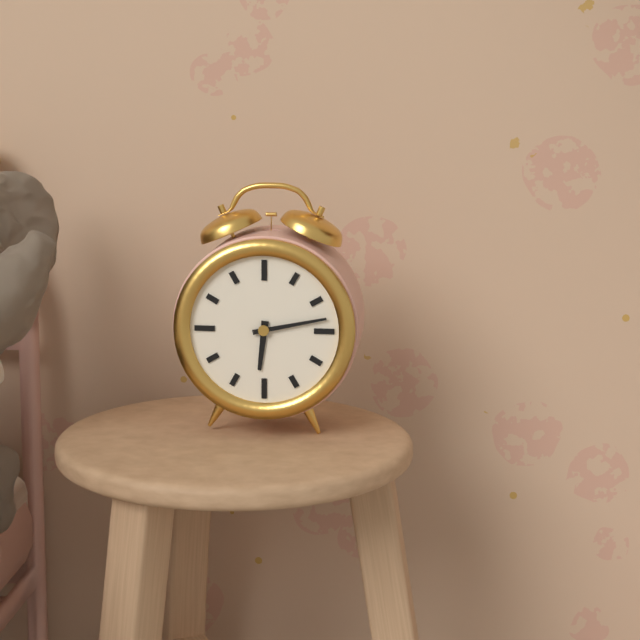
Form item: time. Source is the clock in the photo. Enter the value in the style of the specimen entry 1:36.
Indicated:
6:13
